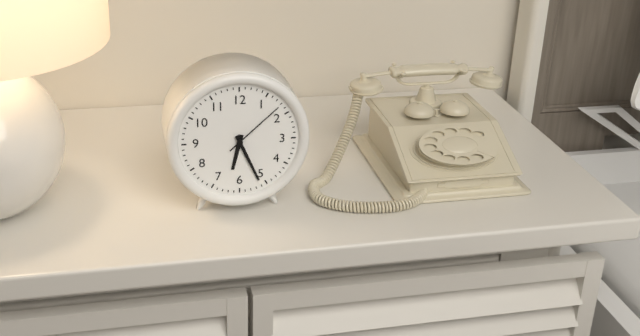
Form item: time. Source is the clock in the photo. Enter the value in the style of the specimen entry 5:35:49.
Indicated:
6:26:08
